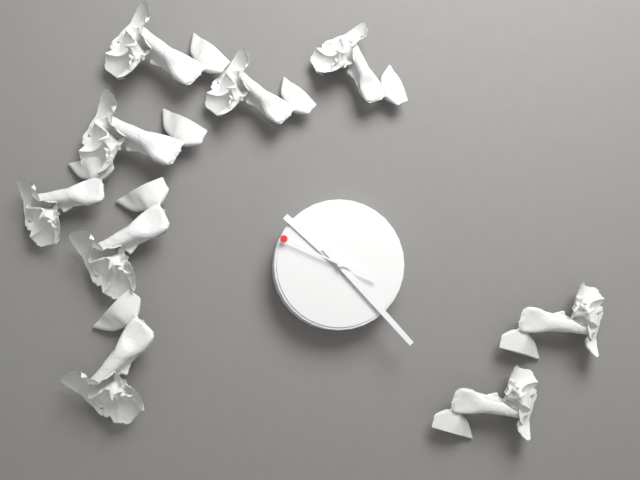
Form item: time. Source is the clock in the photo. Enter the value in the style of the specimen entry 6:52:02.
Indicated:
10:23:49
